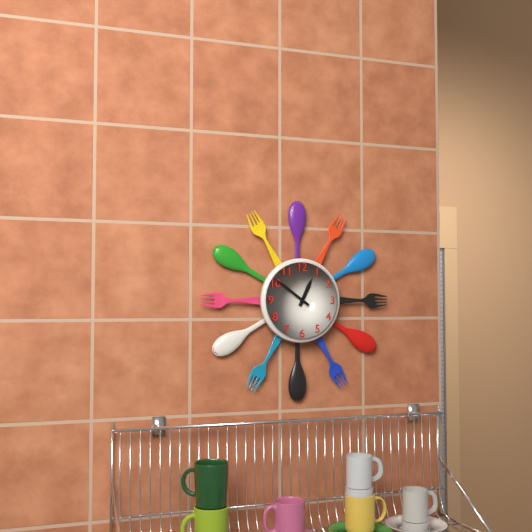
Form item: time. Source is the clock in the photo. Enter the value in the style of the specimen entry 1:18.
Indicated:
12:51
